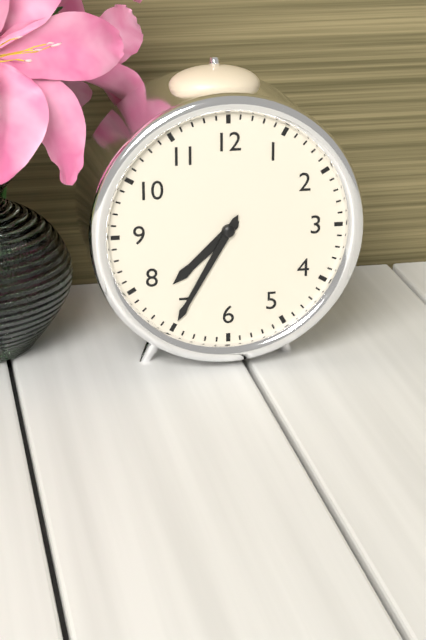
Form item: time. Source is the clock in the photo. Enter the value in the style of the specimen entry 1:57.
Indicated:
7:35
